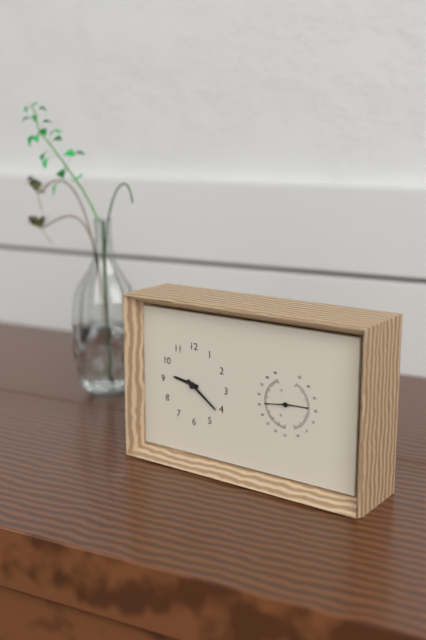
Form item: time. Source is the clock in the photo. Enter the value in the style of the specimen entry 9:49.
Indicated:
9:21
